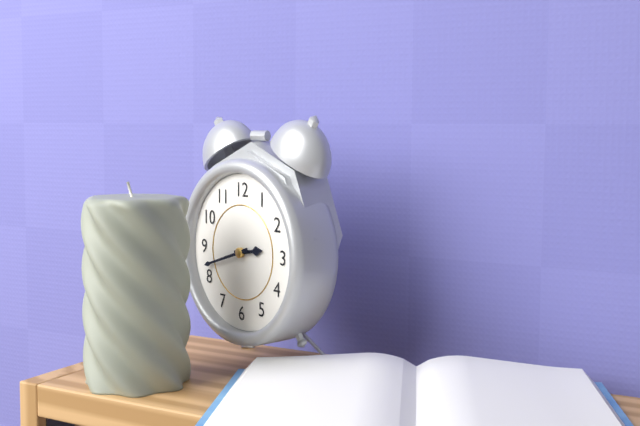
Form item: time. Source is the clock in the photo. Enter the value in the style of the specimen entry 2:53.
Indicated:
2:42
